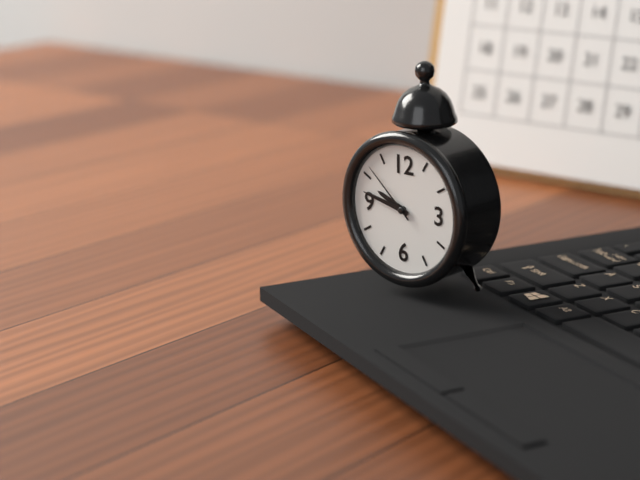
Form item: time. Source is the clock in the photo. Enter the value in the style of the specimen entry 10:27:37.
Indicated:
9:47:52
